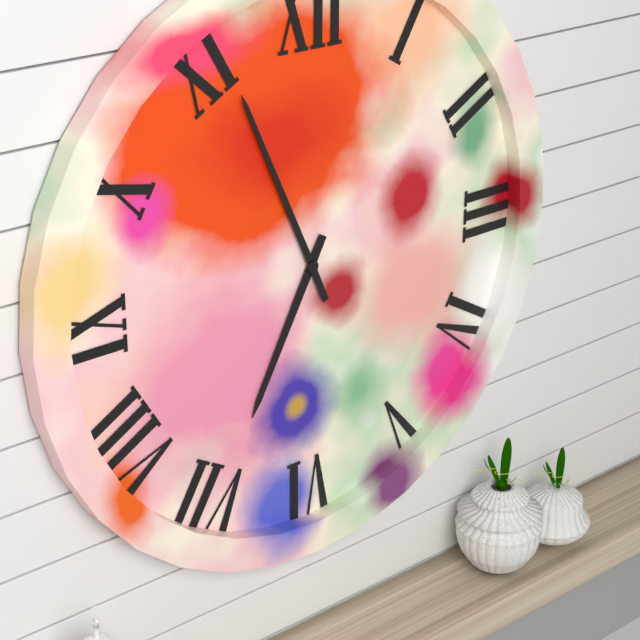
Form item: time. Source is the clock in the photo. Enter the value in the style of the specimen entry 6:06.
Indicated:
6:56
